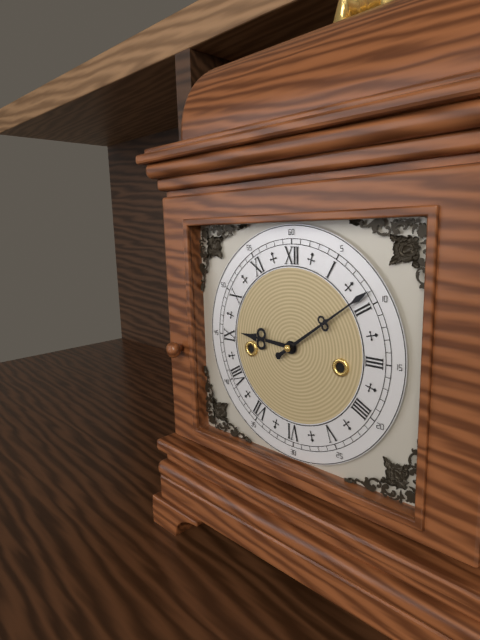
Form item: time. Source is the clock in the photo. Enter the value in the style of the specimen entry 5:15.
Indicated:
9:09
